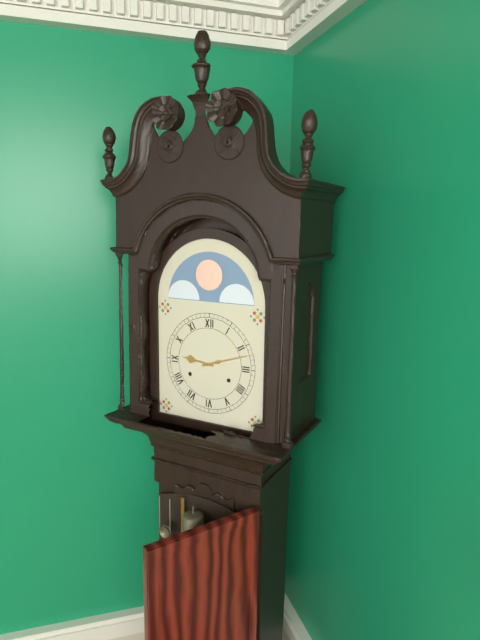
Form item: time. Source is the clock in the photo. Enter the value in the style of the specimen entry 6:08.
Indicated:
9:12
